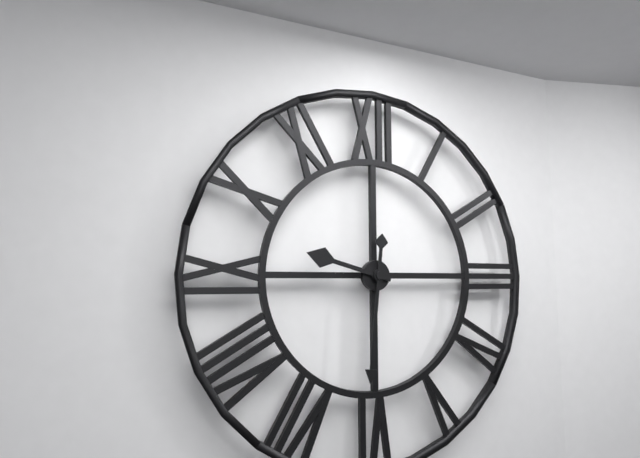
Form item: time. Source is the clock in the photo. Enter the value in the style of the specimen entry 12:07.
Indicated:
9:31
